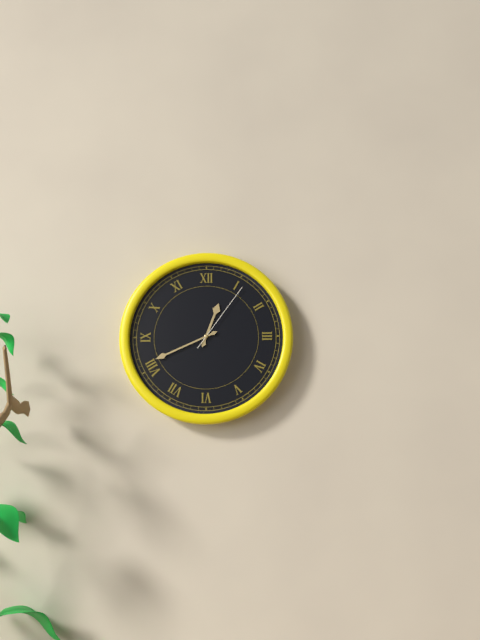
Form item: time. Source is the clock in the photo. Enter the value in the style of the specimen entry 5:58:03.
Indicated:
12:41:06
